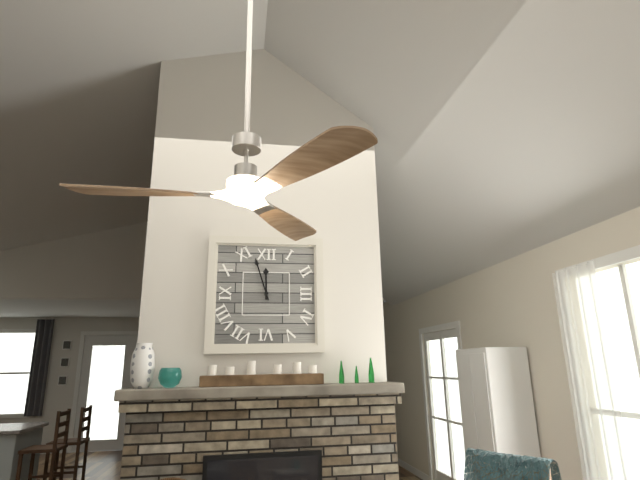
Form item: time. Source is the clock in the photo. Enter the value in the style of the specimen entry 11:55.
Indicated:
11:57
